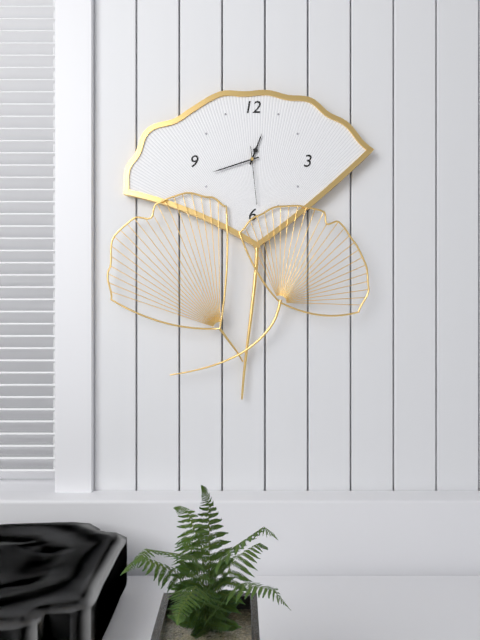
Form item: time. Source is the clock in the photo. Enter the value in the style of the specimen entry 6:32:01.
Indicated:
12:42:29
